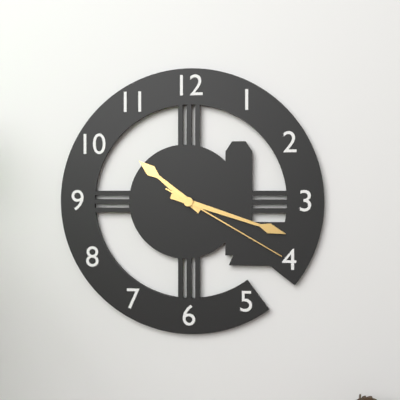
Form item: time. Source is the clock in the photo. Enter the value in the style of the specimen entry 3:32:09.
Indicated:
10:18:20
